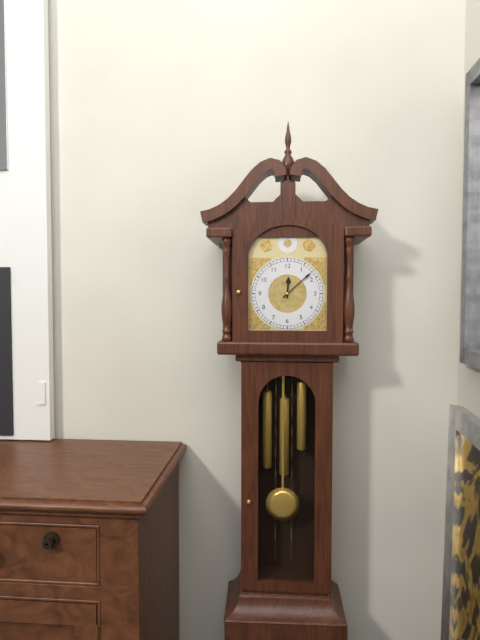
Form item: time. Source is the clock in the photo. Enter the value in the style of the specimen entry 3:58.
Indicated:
12:08
